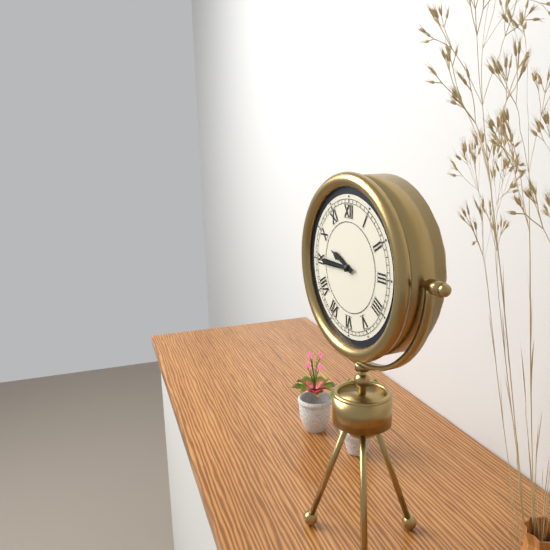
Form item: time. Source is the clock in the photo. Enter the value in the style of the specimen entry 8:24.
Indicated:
9:45
